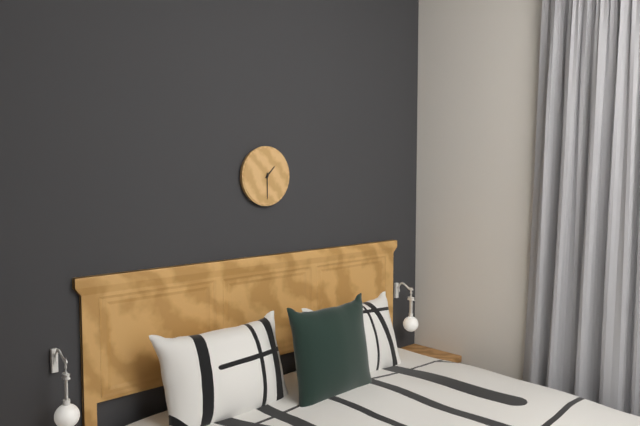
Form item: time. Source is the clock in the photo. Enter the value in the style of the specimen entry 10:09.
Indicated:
1:30
